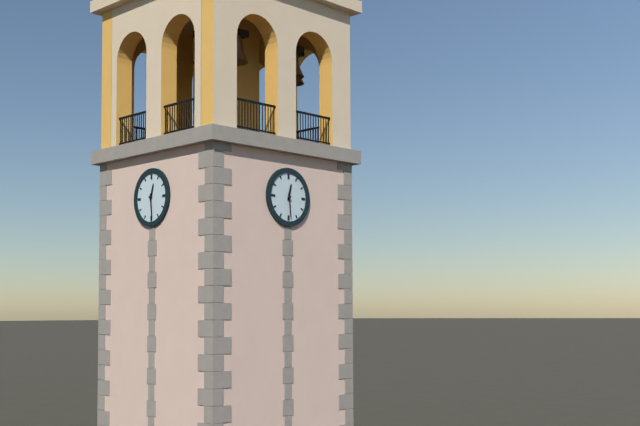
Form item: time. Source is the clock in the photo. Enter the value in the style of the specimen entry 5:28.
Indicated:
12:29
